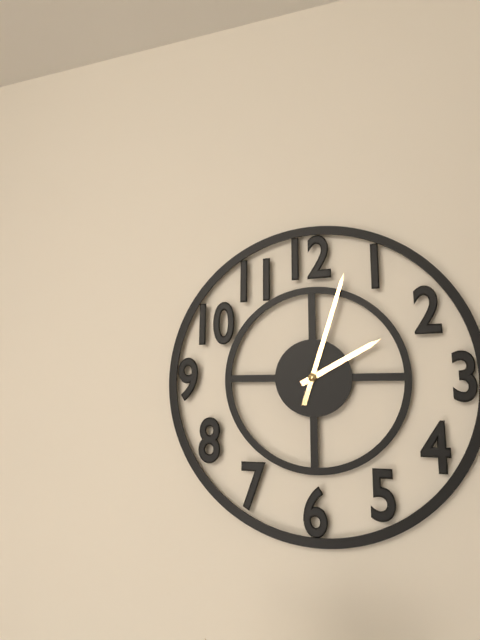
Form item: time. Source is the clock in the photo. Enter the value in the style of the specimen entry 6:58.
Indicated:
2:03
